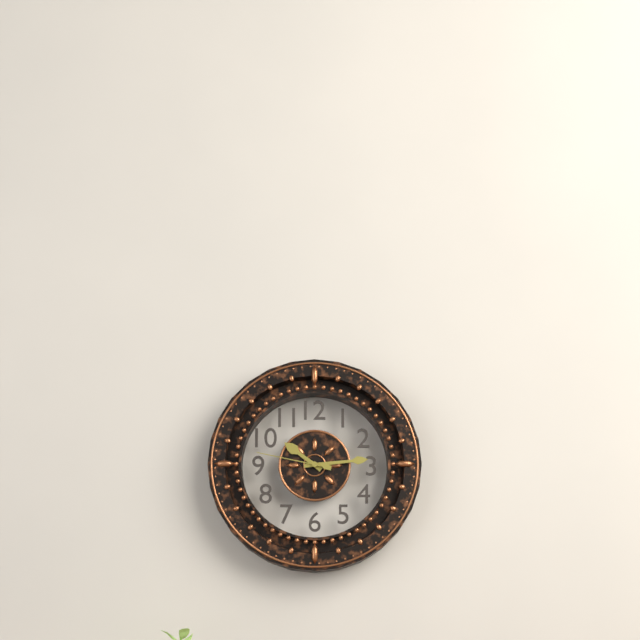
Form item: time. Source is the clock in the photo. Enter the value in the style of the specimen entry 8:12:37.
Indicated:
10:14:47
